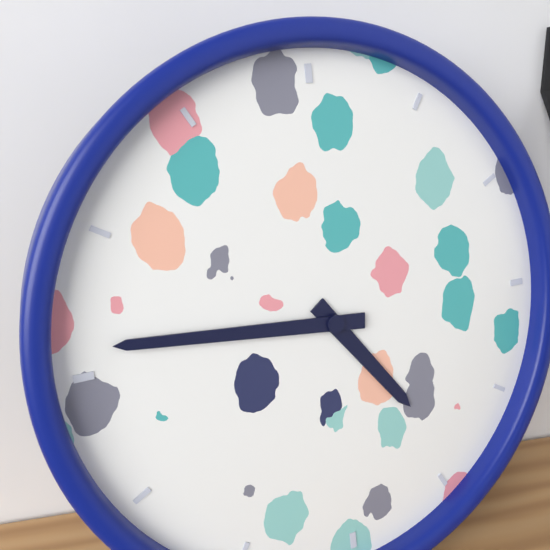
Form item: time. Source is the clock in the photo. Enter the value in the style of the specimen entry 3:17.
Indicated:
4:46
